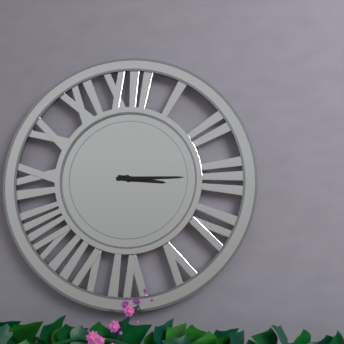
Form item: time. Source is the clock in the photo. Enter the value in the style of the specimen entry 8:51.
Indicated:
3:15
